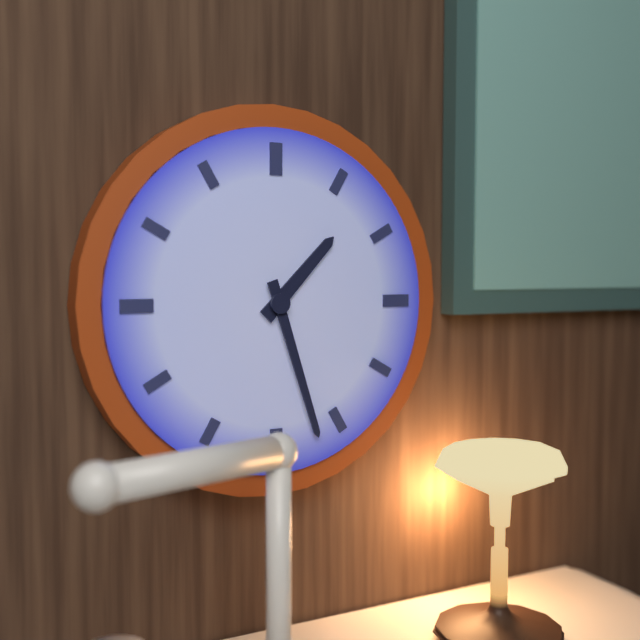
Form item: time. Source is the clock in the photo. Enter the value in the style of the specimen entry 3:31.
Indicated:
1:27
